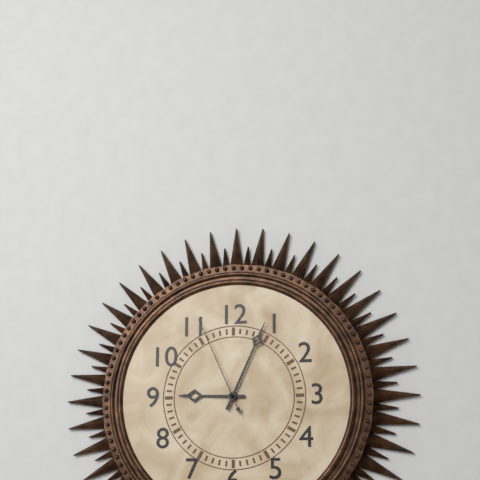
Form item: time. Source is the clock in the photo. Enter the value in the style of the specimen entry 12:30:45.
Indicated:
9:04:56
